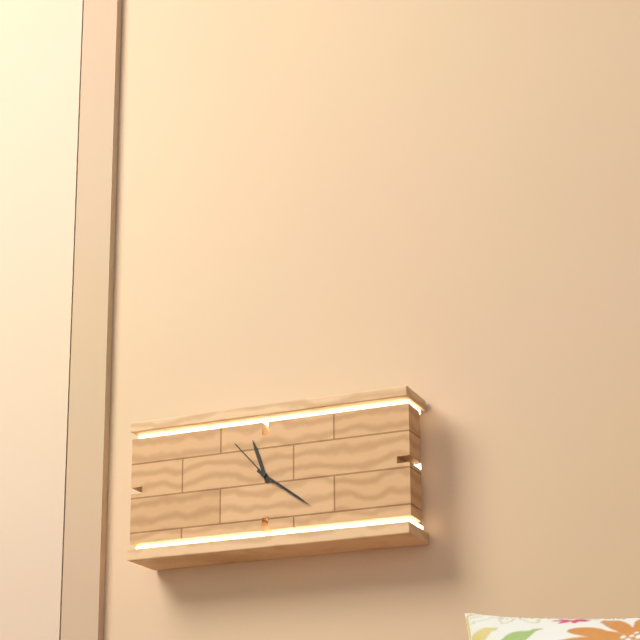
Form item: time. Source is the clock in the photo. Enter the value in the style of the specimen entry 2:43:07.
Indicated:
11:21:53
